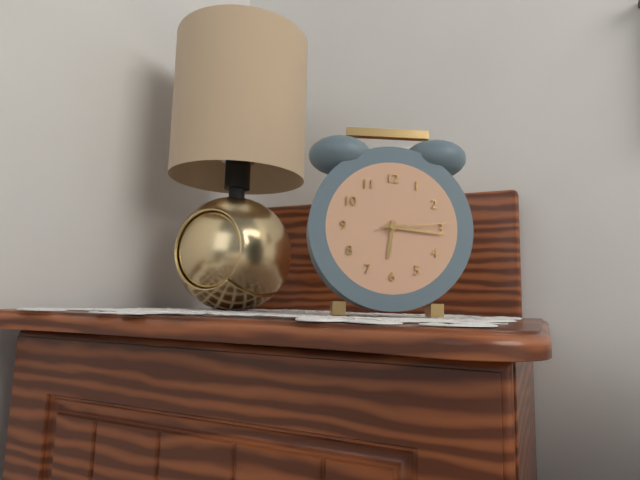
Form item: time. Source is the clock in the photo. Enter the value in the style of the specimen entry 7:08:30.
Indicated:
6:16:14
